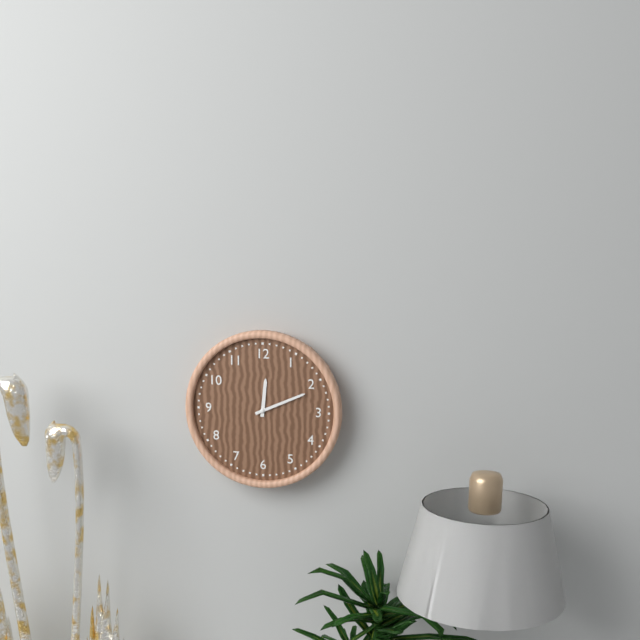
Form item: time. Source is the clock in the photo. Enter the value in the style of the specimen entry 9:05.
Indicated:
12:11
